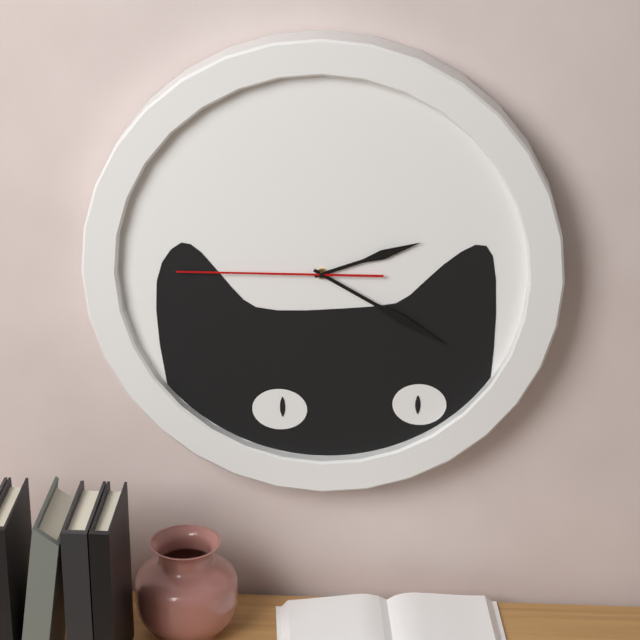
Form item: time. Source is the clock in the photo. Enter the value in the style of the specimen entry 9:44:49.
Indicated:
2:20:45
